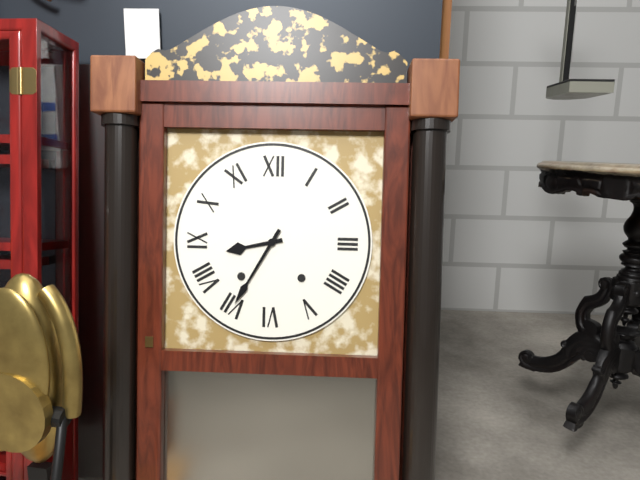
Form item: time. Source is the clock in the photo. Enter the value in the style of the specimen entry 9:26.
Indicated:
8:35
